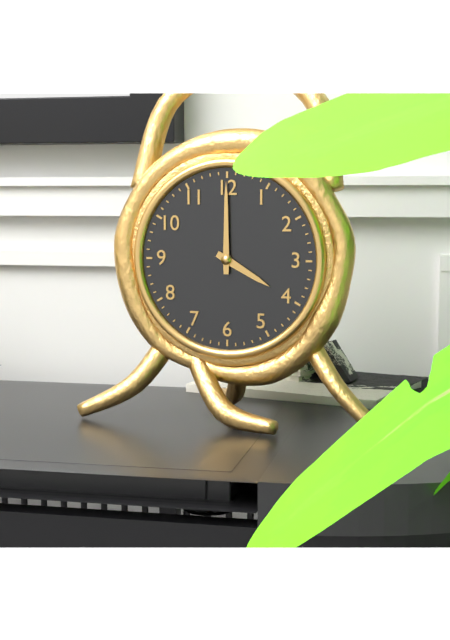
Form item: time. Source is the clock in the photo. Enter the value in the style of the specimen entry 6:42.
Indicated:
4:00
